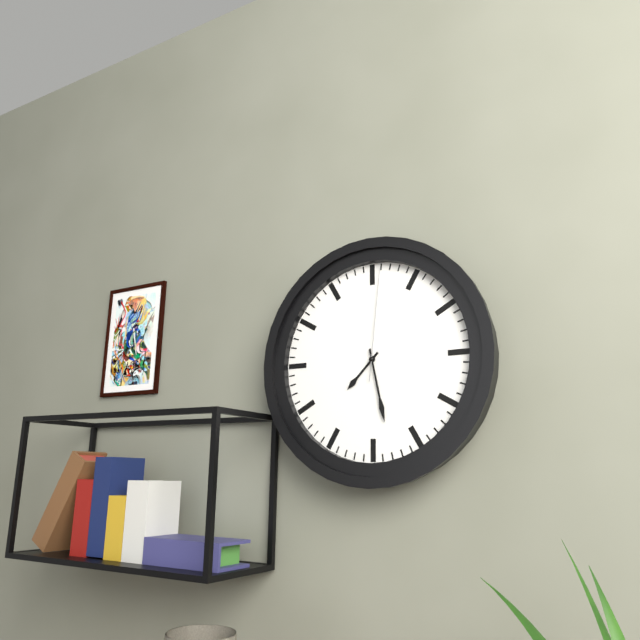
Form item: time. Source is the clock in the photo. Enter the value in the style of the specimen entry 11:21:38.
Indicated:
7:28:01
